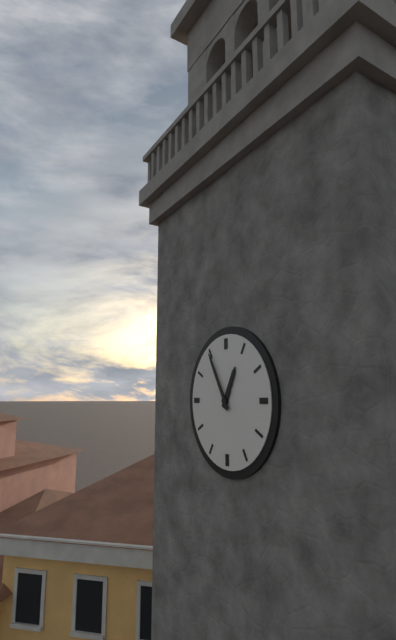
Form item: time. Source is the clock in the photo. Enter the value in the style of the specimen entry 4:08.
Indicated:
12:55
